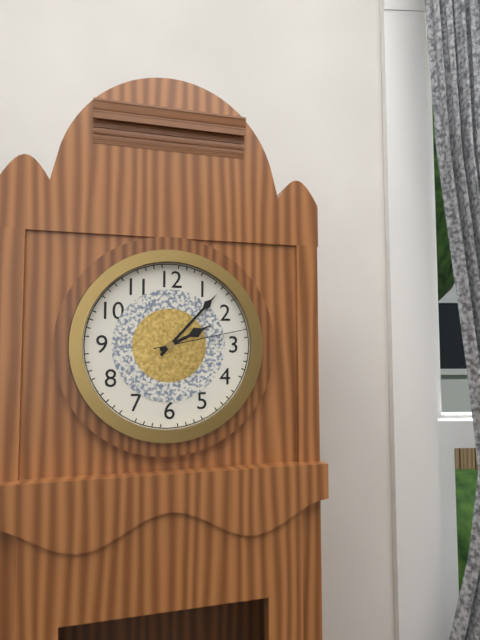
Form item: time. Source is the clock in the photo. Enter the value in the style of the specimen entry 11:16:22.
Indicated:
2:07:13
